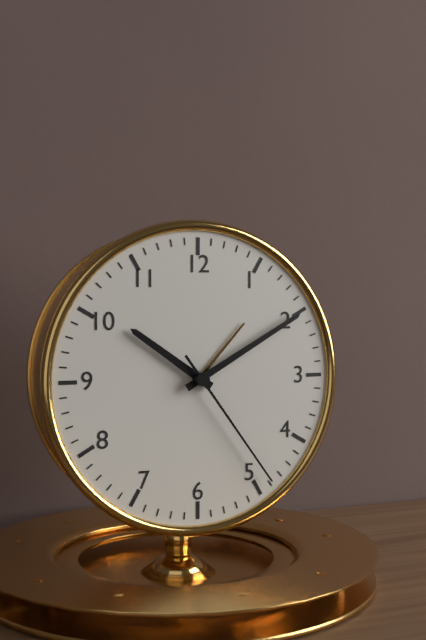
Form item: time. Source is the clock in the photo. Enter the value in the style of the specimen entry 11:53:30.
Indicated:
10:10:24
